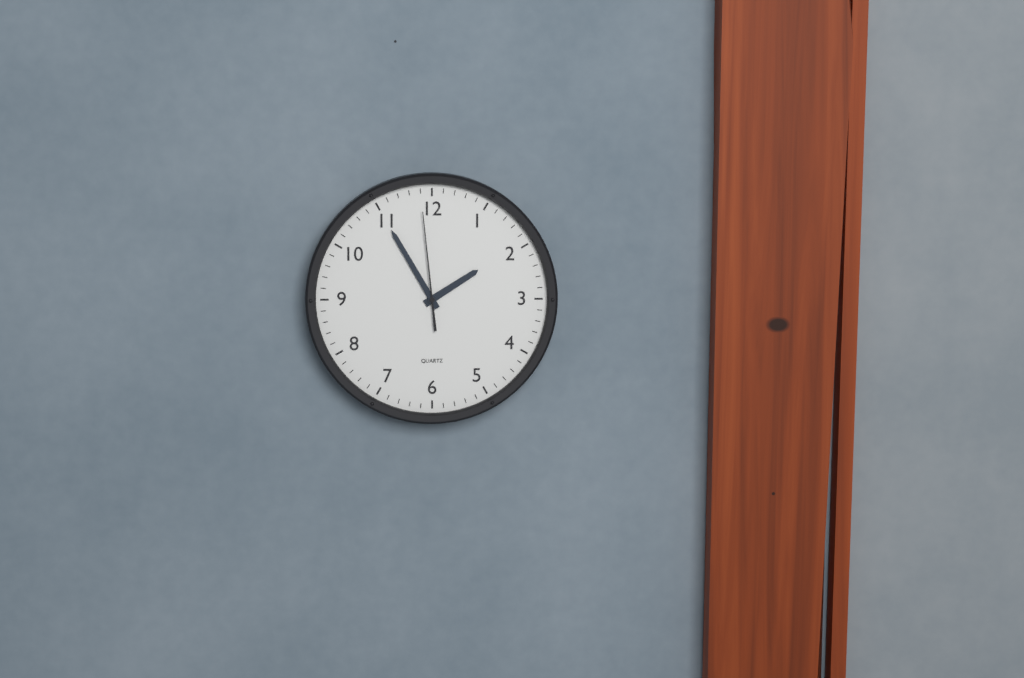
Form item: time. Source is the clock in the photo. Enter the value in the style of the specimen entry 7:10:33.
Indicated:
1:55:59
